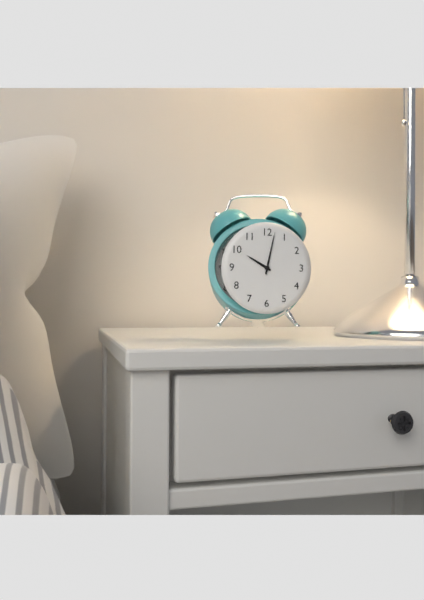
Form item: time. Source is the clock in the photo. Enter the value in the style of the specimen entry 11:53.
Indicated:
10:02
